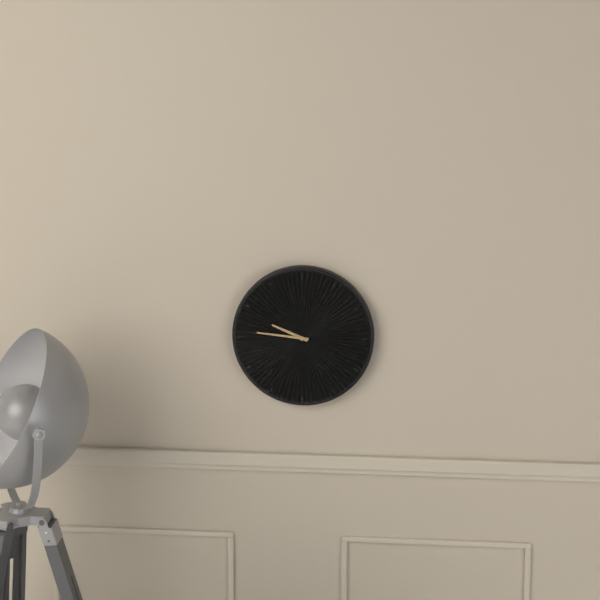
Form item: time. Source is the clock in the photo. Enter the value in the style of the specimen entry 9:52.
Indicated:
9:46
